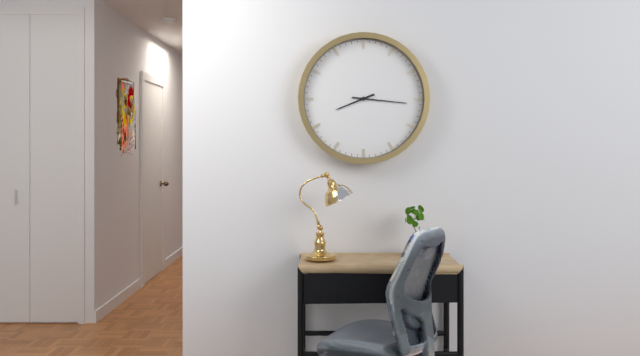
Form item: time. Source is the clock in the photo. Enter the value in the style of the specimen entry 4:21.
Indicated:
8:16
